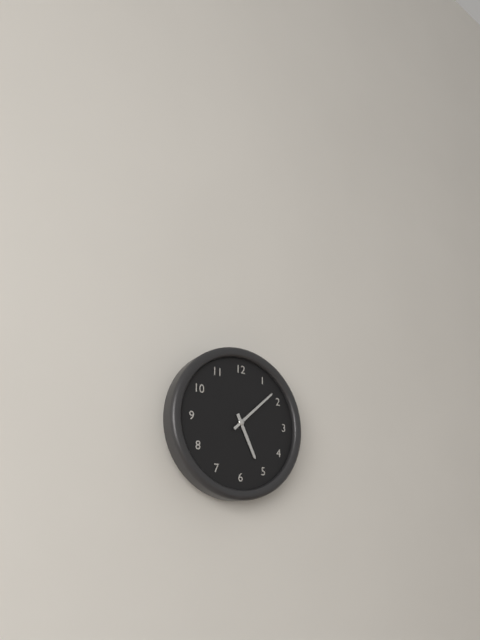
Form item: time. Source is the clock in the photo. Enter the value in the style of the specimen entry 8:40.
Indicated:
5:08
